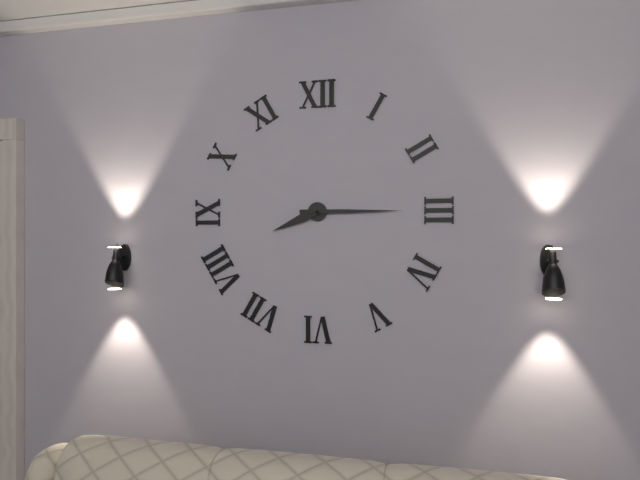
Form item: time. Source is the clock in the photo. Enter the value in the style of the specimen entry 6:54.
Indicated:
8:15
